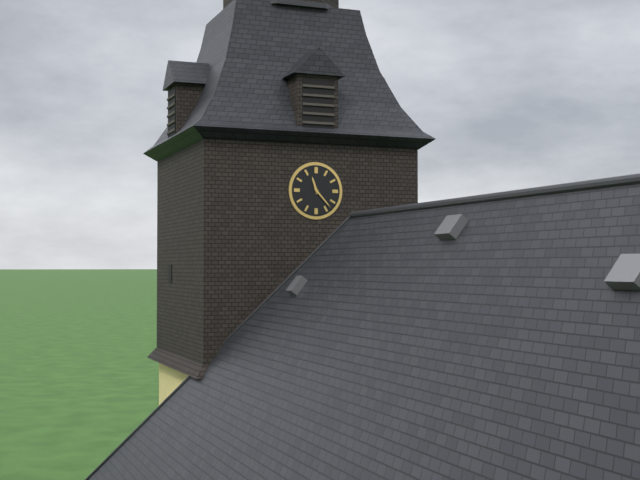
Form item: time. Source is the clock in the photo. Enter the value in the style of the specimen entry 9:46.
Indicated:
11:23
